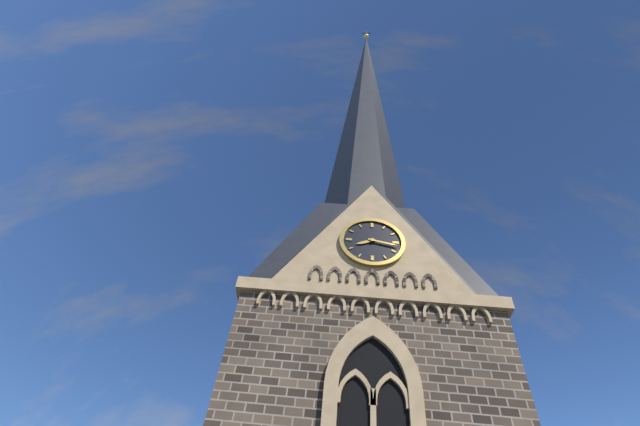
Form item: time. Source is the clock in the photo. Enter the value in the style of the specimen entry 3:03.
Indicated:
8:17
